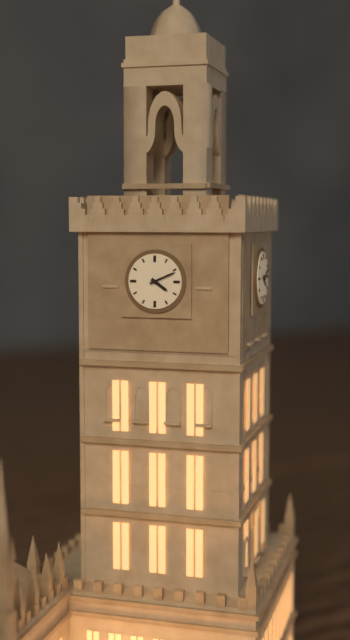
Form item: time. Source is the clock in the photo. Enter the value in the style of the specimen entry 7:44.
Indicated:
4:11
